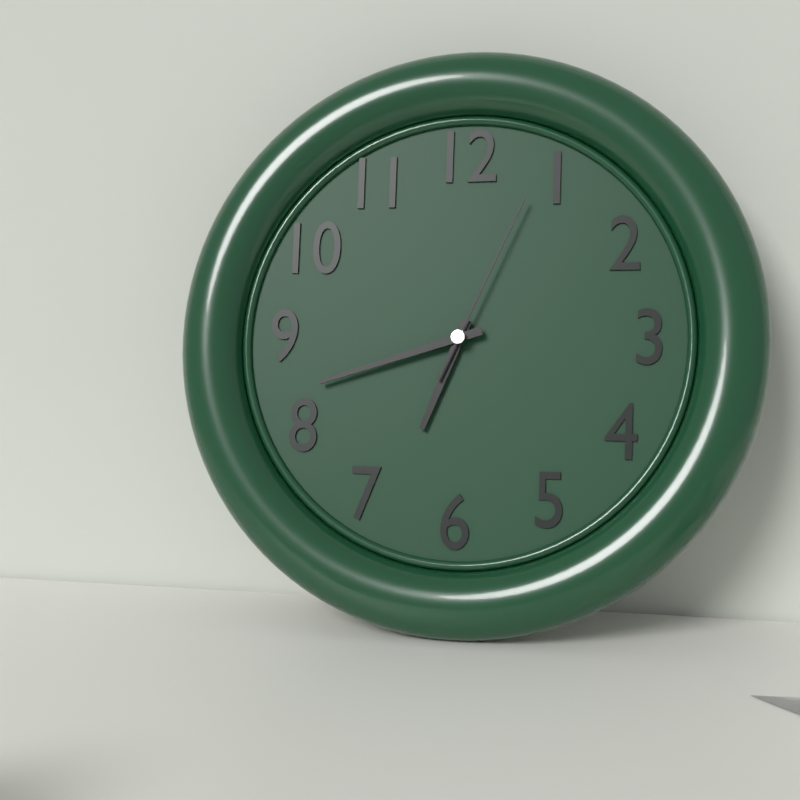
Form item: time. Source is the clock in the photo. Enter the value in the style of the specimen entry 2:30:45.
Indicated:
6:42:04
